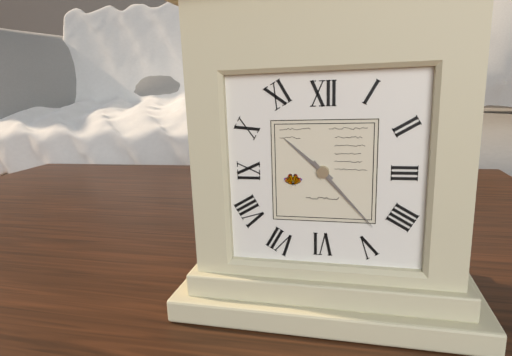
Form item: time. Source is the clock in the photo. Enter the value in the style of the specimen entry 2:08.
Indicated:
10:23
